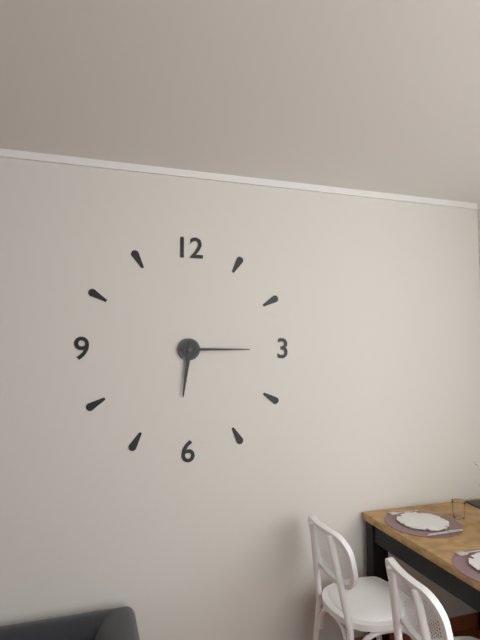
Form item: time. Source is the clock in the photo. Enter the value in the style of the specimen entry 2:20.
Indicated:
6:15
